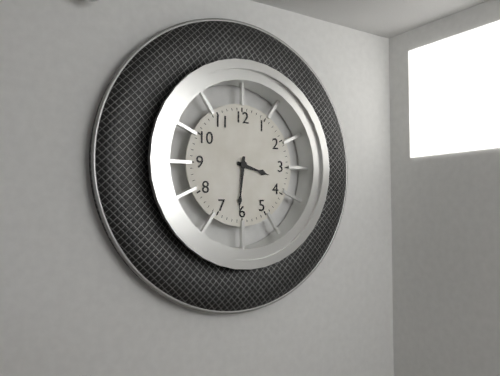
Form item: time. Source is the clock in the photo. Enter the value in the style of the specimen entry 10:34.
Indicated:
3:31
